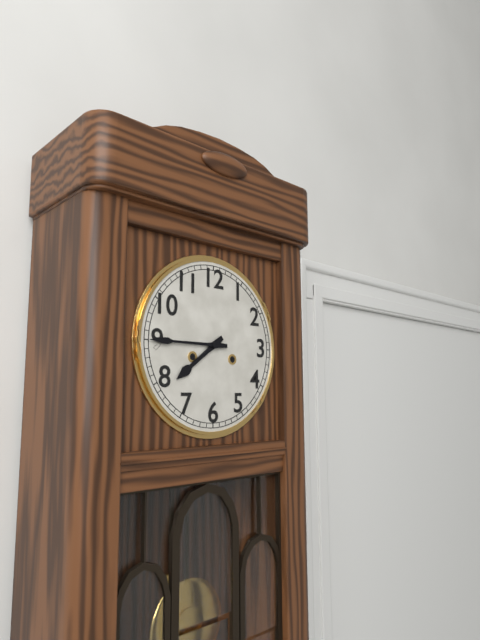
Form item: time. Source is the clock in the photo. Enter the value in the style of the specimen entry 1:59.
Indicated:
7:45
